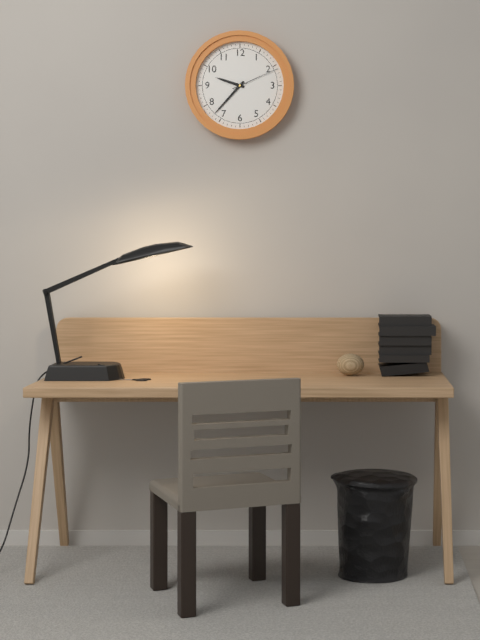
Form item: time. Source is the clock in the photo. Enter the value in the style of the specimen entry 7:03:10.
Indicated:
9:37:11
